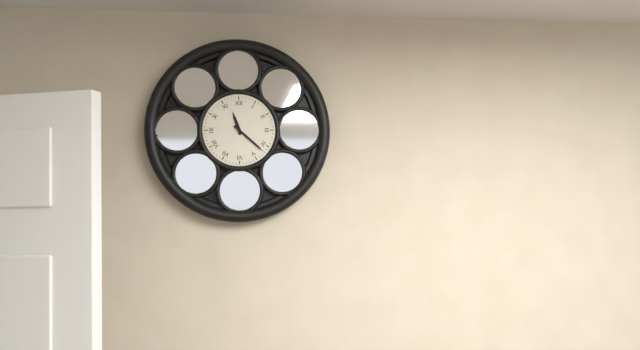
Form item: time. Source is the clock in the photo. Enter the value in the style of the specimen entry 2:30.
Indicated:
11:22
